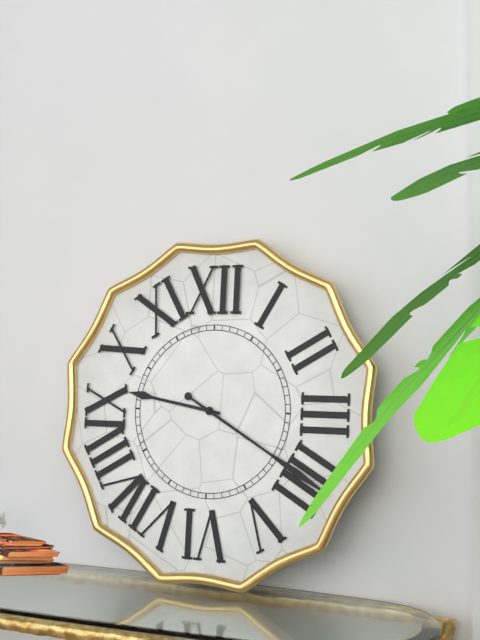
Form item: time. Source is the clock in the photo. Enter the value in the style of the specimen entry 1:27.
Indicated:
9:20
